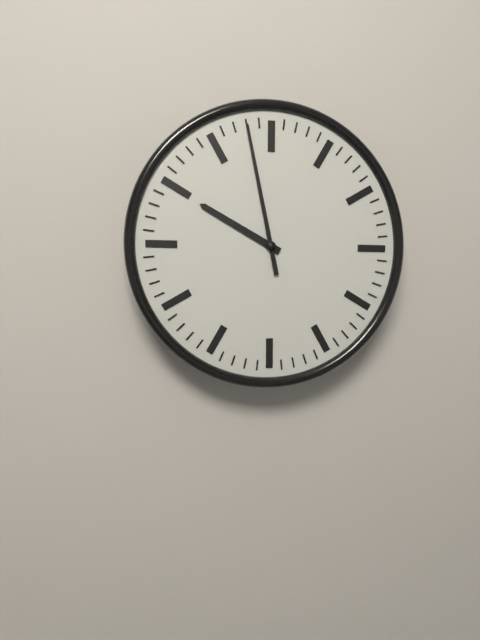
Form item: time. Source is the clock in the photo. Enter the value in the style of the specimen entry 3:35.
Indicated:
9:58
